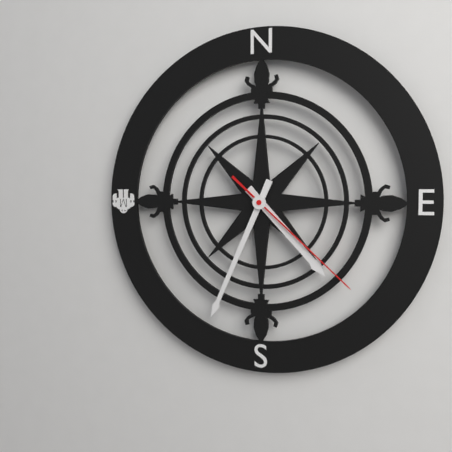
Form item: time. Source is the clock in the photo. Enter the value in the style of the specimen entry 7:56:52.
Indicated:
4:34:22
